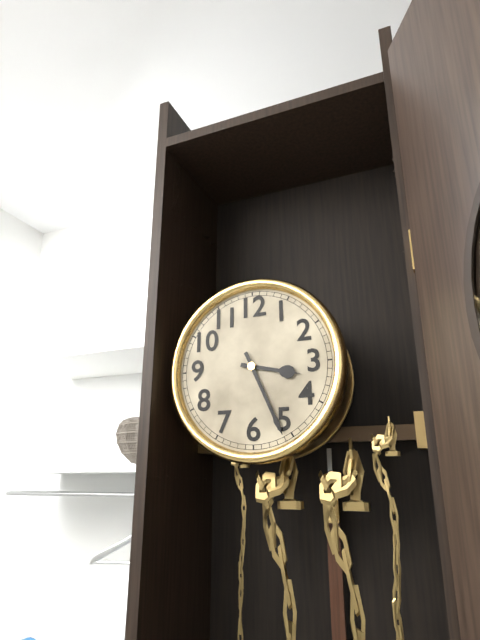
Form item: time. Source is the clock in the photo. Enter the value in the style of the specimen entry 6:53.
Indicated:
3:26
